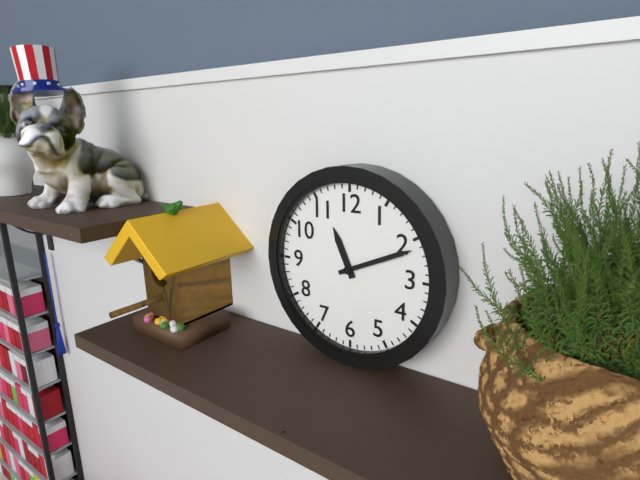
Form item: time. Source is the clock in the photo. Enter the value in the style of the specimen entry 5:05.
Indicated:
11:11
